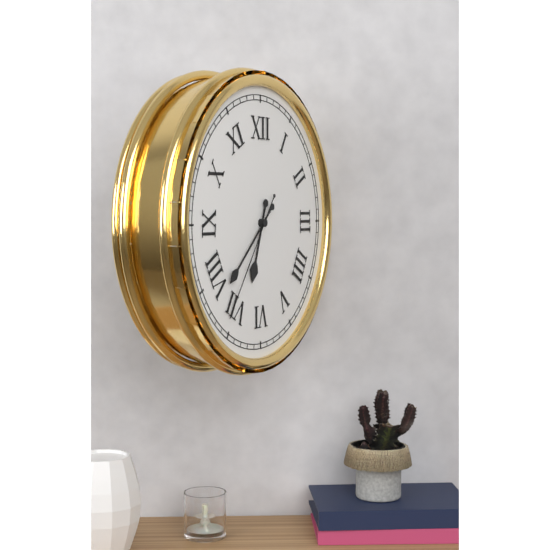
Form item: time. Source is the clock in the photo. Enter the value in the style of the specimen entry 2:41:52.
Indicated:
6:38:36
